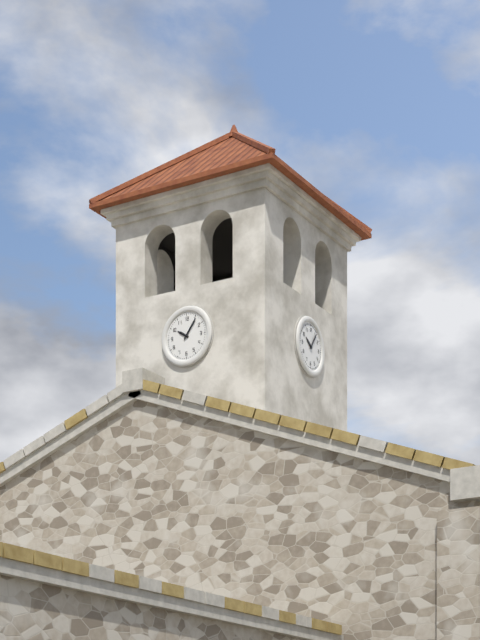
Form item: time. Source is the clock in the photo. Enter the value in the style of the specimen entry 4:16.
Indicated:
10:06
